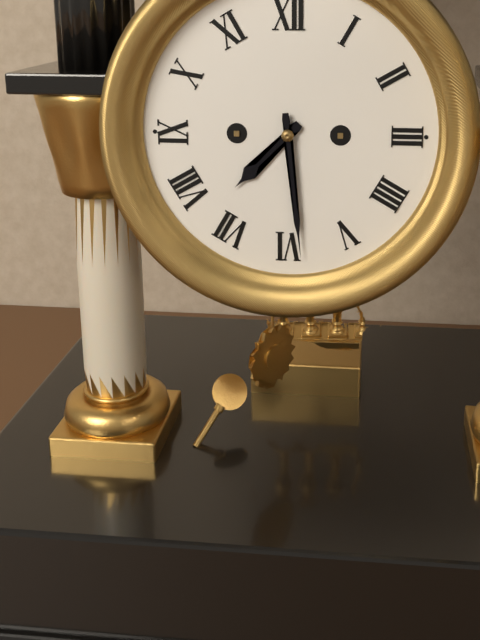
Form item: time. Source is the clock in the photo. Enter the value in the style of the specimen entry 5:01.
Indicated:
7:29
